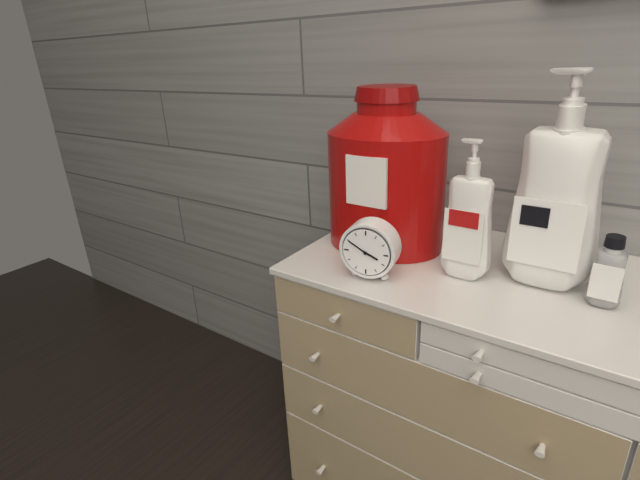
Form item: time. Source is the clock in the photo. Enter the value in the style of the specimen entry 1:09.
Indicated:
3:50
